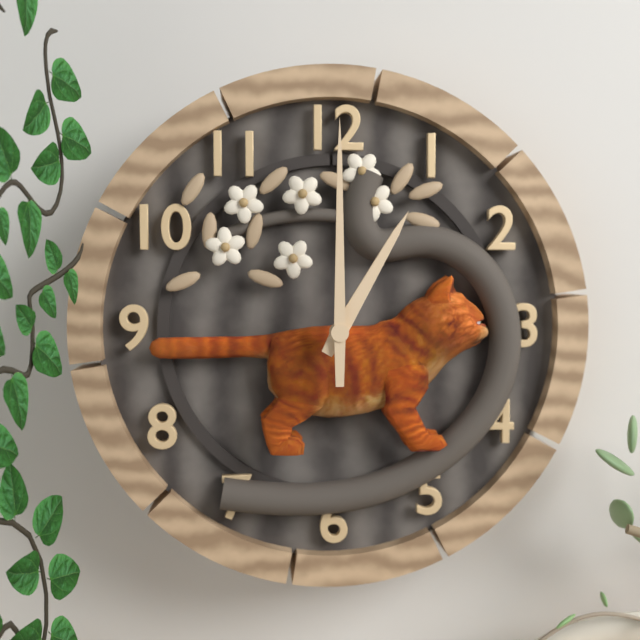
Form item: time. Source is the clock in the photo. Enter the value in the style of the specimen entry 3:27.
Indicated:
1:00
